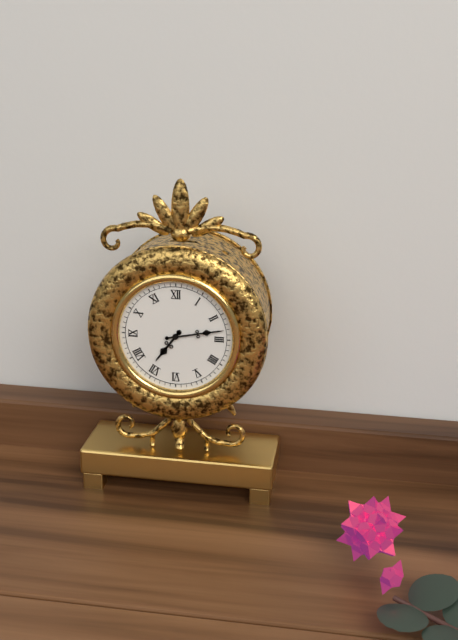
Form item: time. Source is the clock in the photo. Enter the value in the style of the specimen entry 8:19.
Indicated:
7:13
